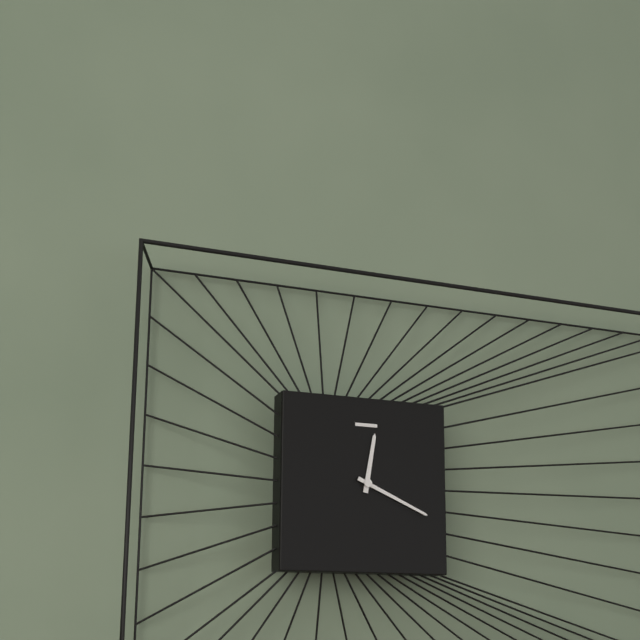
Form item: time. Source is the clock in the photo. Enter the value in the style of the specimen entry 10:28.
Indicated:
12:19
